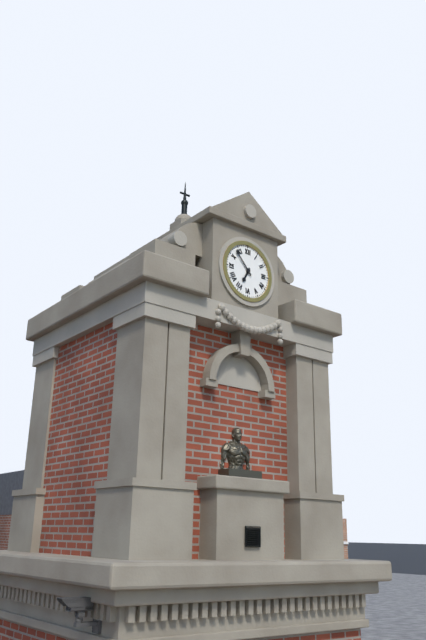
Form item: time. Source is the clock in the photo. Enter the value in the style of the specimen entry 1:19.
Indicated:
6:53
